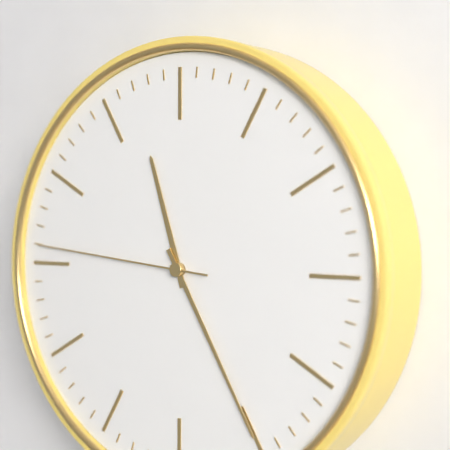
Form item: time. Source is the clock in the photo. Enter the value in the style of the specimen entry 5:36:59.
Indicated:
11:25:46
